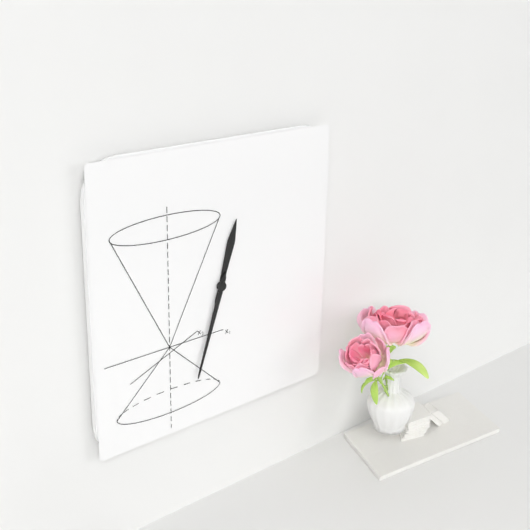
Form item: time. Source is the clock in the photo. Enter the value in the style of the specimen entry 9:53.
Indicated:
12:33
